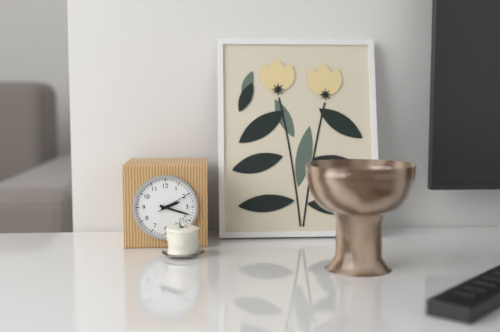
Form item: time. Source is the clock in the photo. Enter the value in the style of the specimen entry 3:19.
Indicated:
2:18
